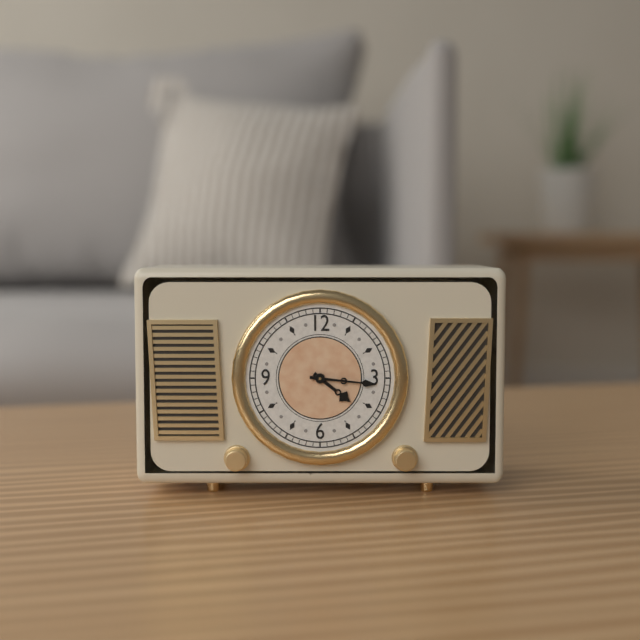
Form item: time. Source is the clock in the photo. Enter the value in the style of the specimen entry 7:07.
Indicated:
4:16
